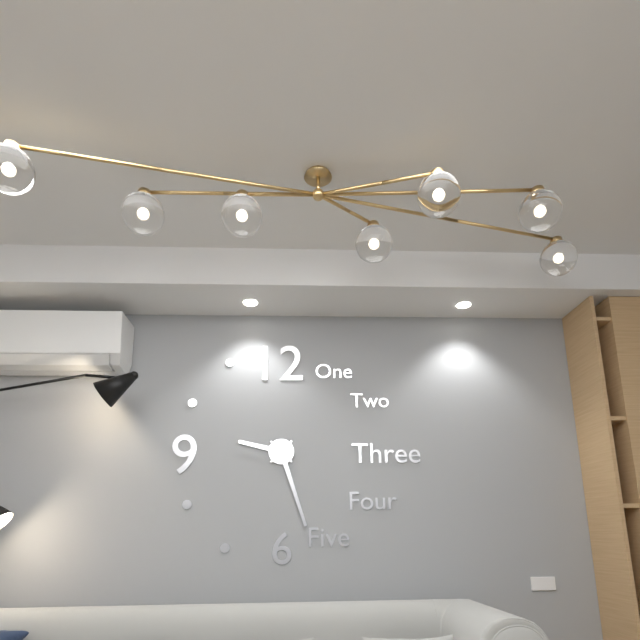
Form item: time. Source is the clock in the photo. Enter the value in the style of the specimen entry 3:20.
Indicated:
9:27
